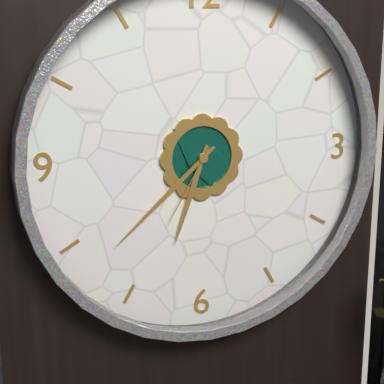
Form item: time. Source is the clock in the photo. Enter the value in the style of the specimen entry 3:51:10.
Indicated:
6:38:35
